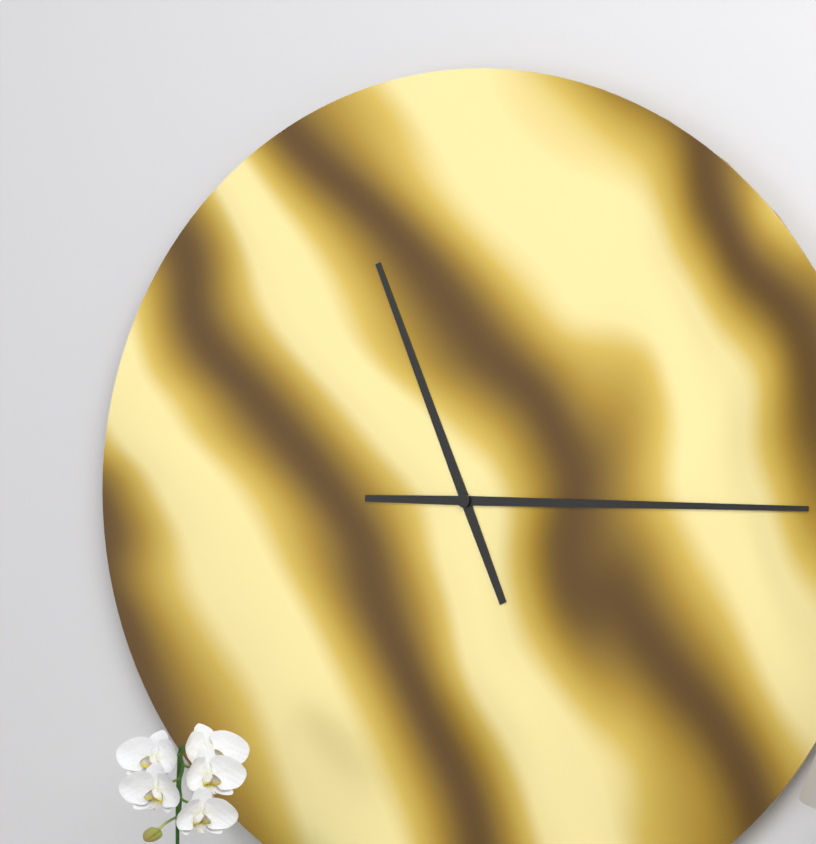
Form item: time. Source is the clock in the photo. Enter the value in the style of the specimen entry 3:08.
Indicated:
11:15
